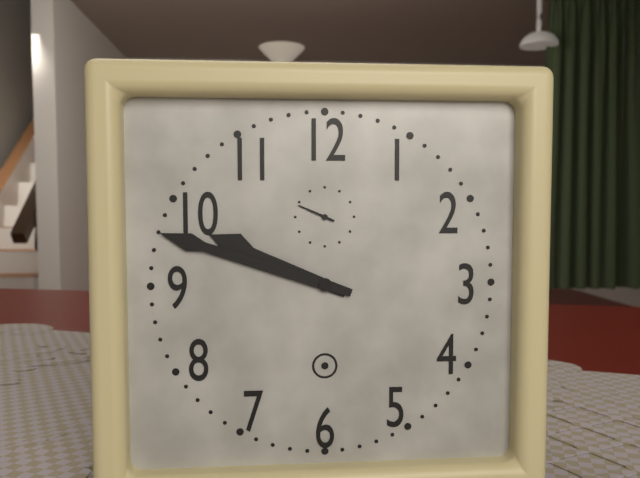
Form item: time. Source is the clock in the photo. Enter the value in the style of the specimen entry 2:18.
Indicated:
9:48
